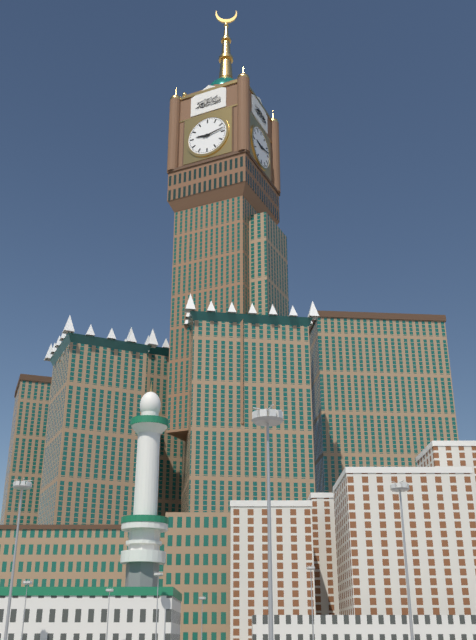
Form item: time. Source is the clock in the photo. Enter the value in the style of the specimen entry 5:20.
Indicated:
9:13
